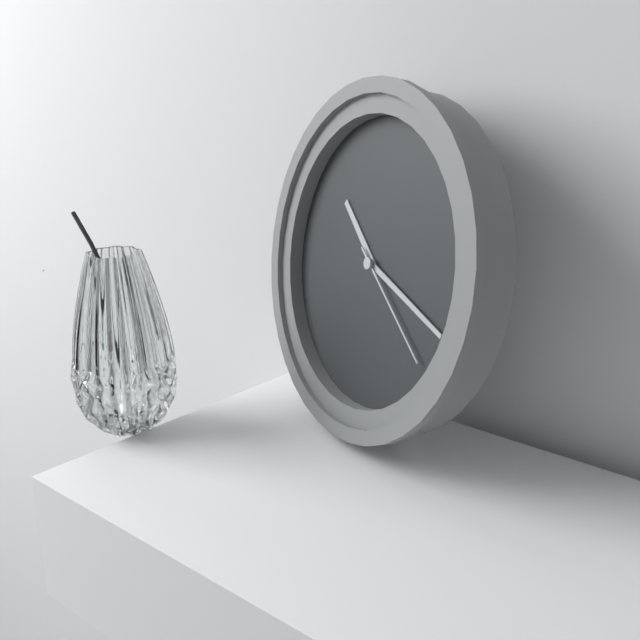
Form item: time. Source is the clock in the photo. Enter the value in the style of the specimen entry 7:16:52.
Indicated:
10:18:21
